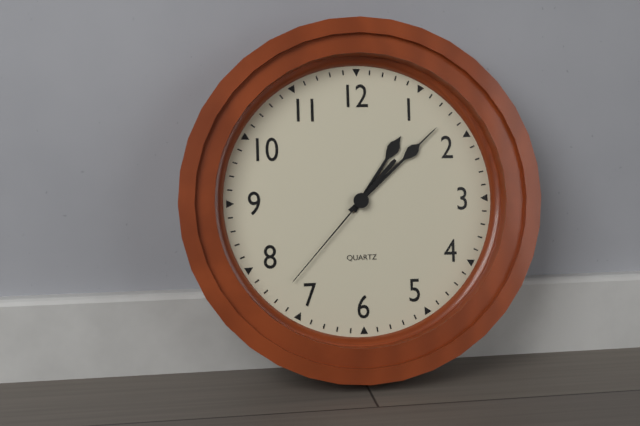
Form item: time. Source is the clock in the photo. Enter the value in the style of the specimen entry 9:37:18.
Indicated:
1:08:37
